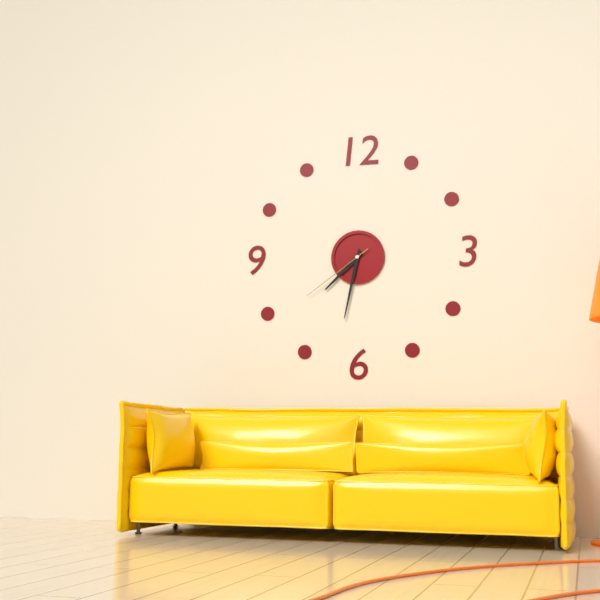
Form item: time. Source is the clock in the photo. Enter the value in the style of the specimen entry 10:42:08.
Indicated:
7:32:39
